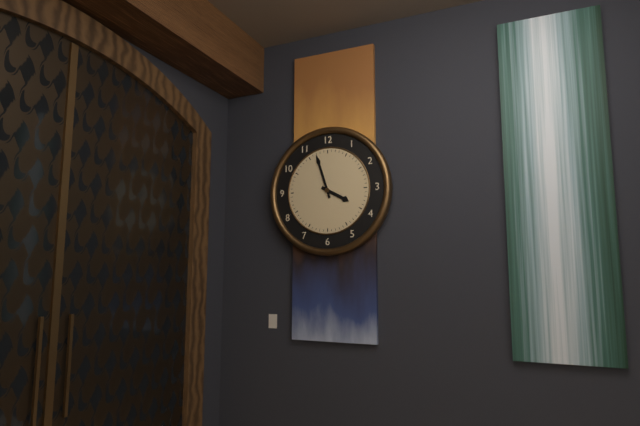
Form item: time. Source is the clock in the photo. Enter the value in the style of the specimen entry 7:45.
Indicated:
3:57
